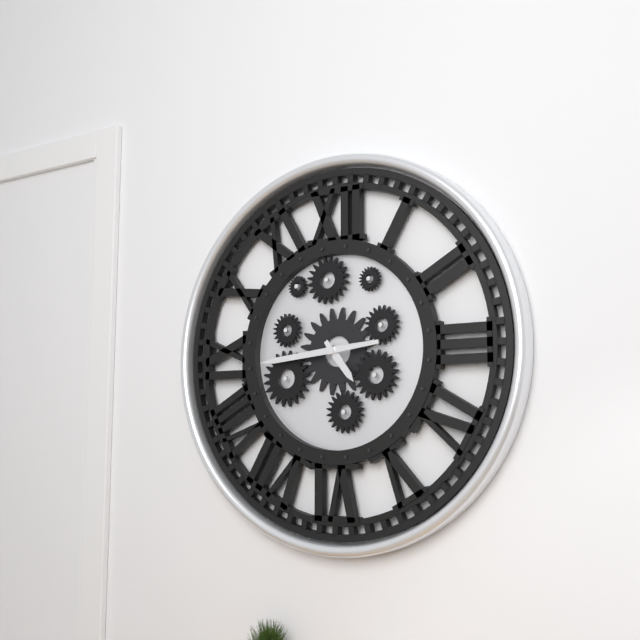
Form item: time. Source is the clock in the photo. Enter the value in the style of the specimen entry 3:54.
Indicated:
4:44
